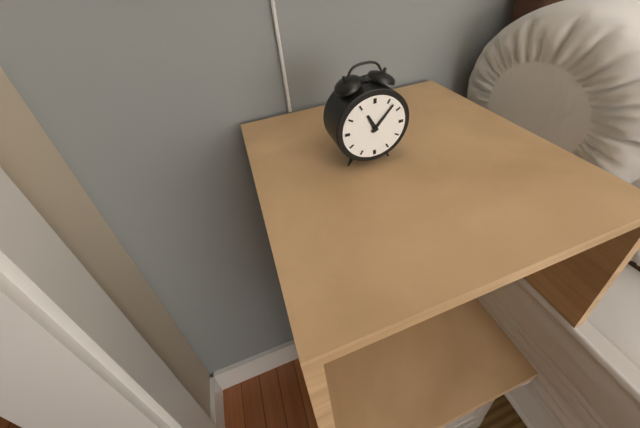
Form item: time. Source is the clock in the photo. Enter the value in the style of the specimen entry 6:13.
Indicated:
11:07
